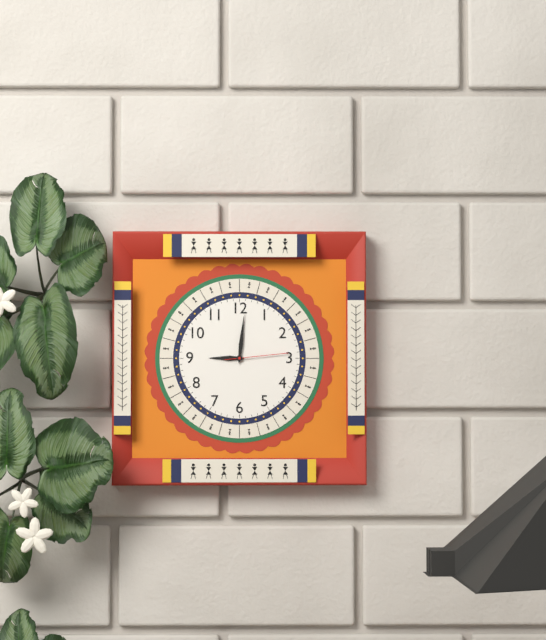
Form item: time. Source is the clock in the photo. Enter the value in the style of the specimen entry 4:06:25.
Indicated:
9:01:14
